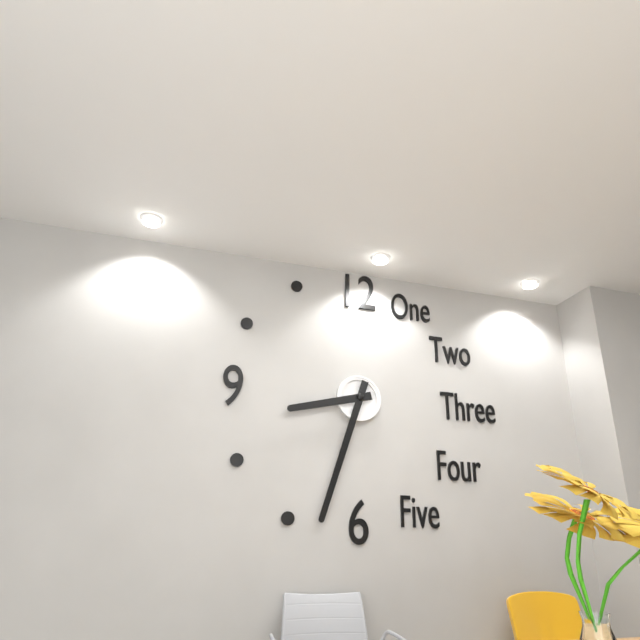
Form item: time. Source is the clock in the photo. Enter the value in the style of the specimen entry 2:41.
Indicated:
8:33
